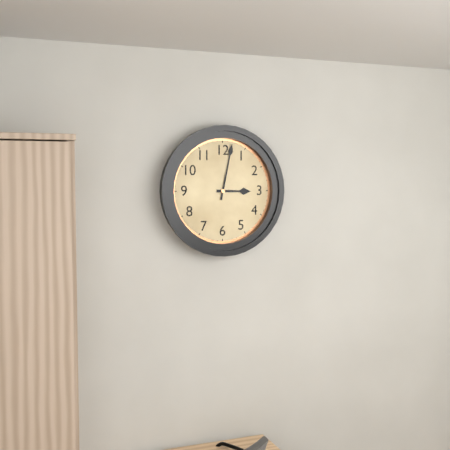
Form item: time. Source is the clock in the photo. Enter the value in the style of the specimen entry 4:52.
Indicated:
3:02
